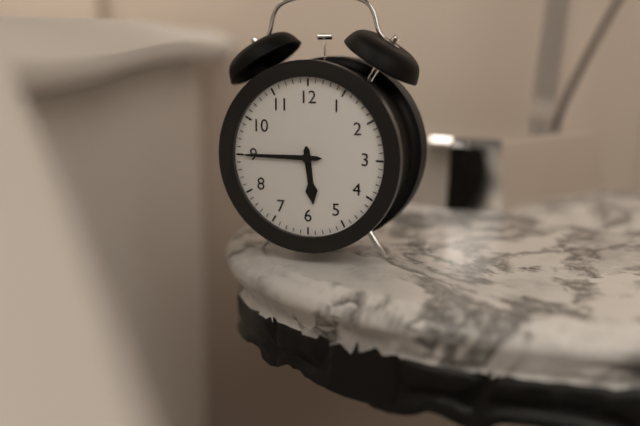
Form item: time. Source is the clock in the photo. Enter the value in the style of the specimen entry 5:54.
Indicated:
5:45
